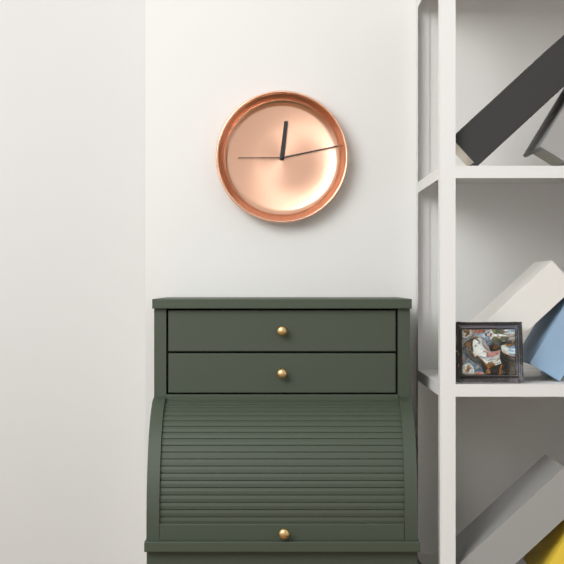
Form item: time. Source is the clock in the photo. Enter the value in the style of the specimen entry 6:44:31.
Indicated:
12:13:45
